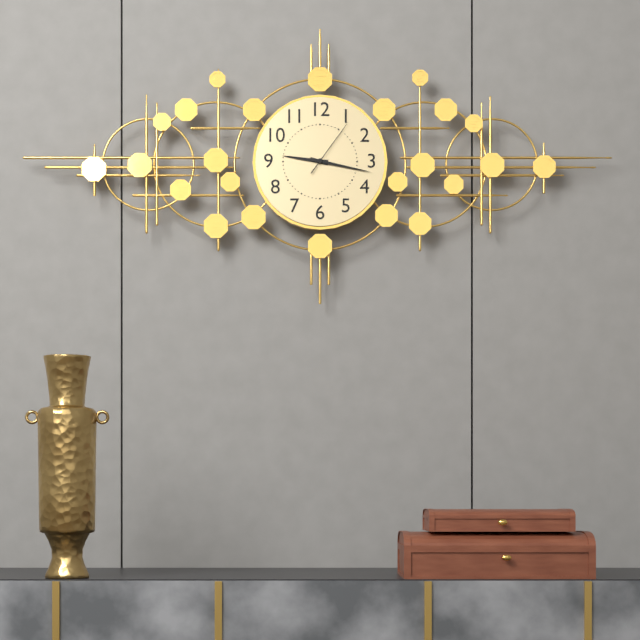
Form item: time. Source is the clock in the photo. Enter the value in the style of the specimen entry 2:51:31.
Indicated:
9:17:06
